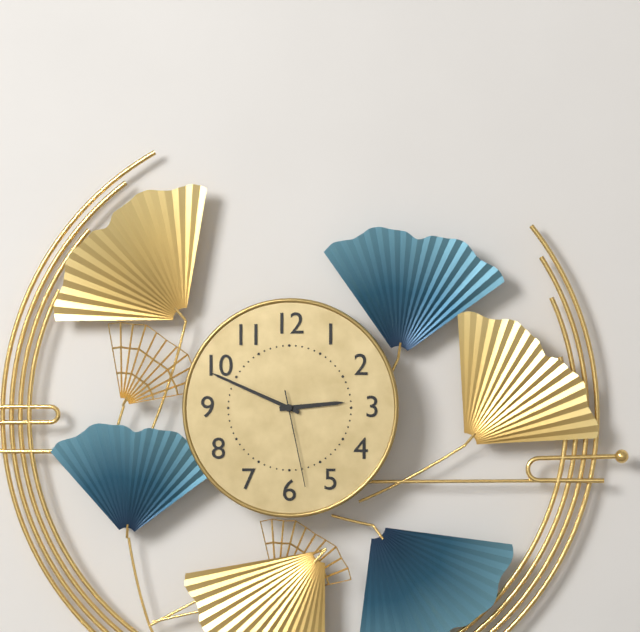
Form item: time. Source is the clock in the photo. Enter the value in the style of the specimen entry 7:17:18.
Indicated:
2:49:28
